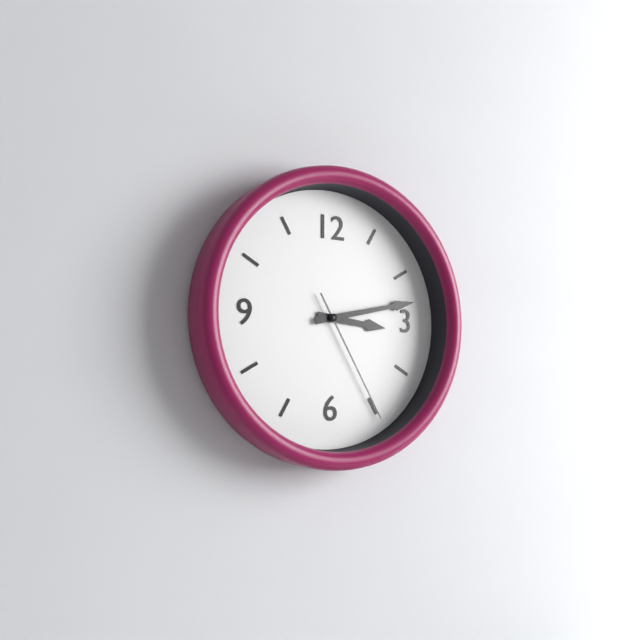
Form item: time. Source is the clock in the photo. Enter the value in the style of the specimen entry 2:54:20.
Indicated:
3:13:25
